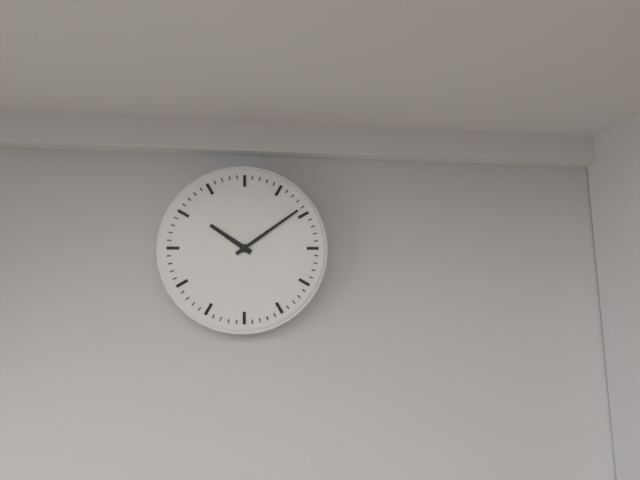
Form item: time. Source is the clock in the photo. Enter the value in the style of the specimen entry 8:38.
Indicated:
10:09
